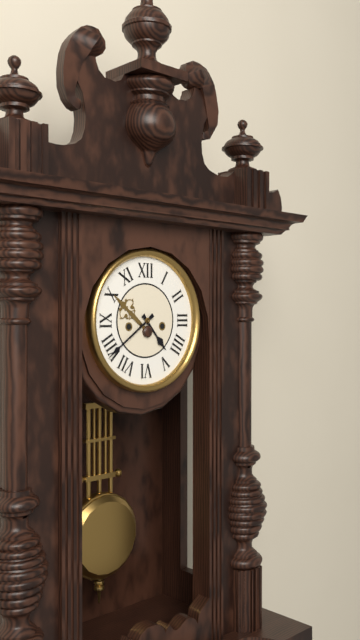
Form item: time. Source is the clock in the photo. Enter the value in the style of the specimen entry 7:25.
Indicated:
4:39
